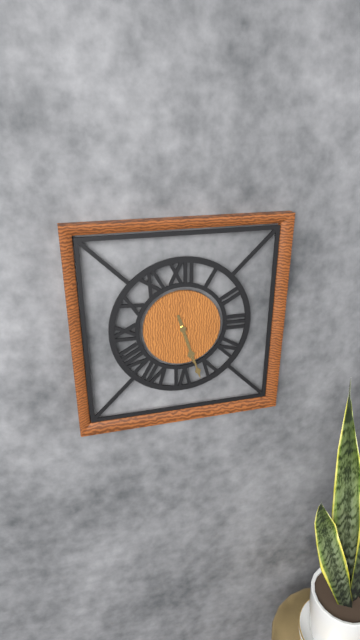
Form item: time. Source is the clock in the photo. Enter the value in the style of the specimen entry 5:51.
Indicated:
5:27
